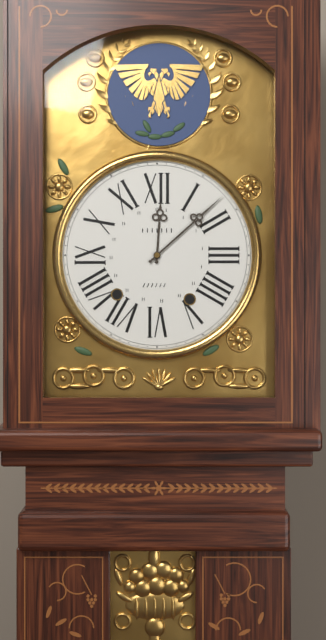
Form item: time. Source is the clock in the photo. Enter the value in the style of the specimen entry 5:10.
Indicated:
12:08
